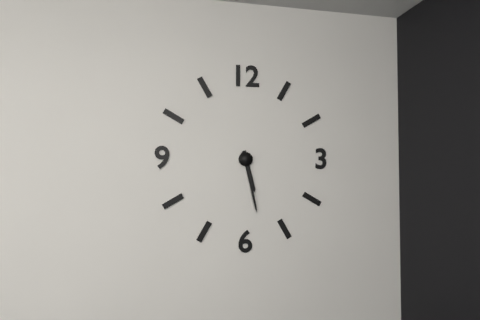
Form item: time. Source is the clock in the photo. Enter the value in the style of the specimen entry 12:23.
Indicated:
5:28
